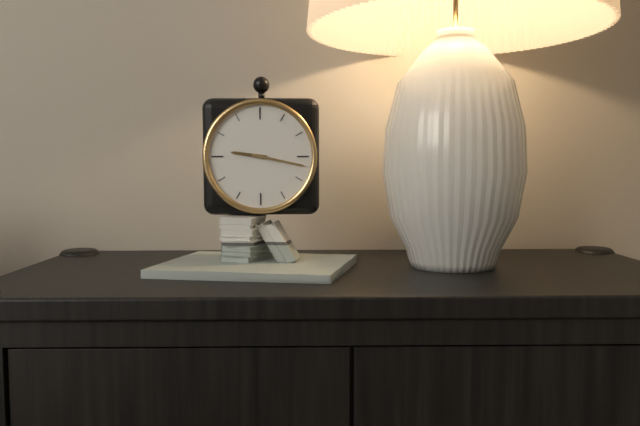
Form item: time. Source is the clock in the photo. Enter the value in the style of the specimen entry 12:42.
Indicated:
9:17
